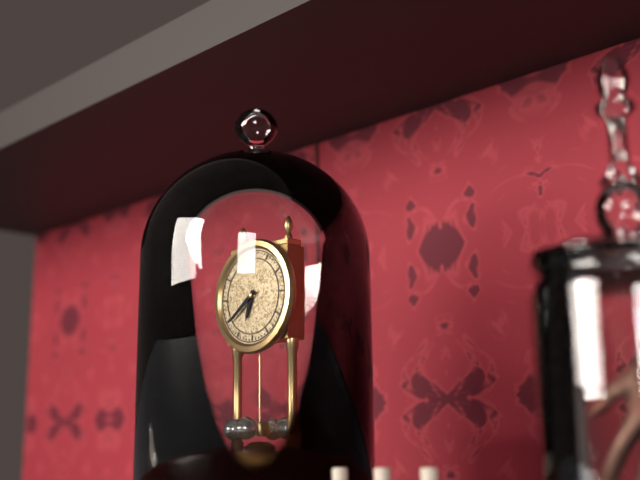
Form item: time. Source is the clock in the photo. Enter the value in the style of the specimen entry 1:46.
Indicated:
6:39
